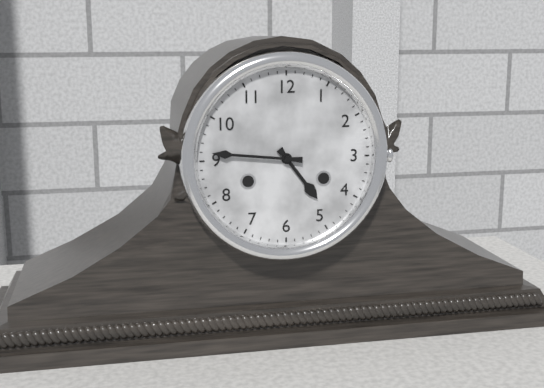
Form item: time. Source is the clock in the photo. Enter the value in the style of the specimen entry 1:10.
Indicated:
4:46
